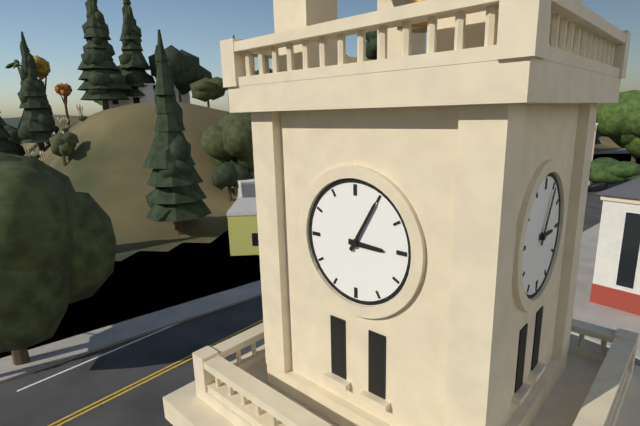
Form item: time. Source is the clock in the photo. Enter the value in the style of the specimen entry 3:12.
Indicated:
3:05
